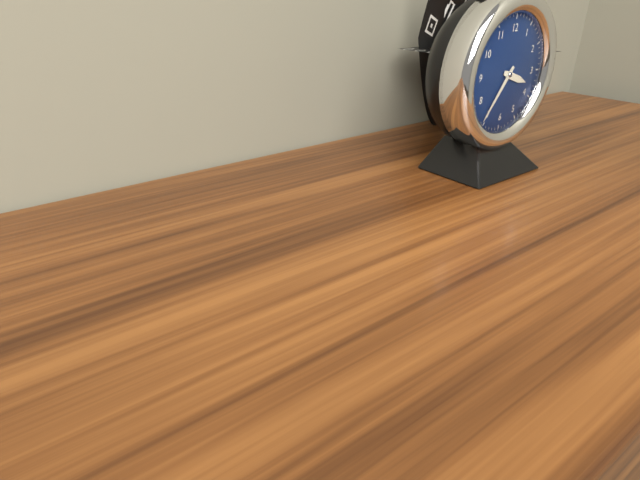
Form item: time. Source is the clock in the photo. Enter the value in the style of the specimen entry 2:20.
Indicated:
3:36
